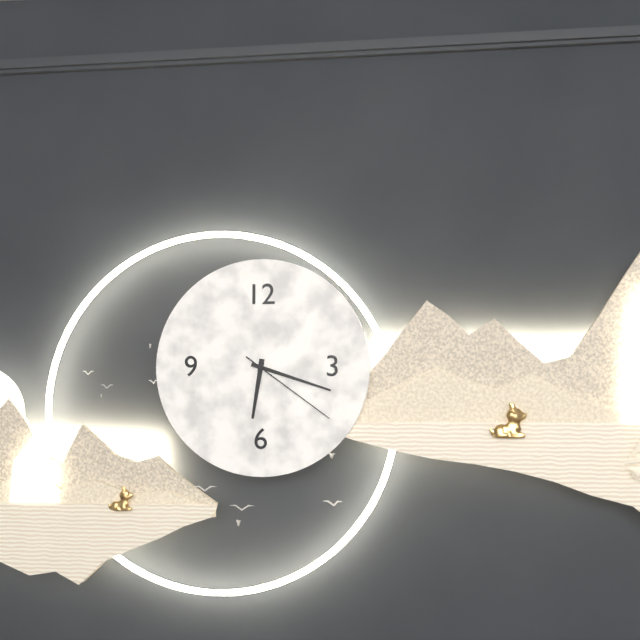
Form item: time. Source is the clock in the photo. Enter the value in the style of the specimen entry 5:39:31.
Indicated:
6:18:21
